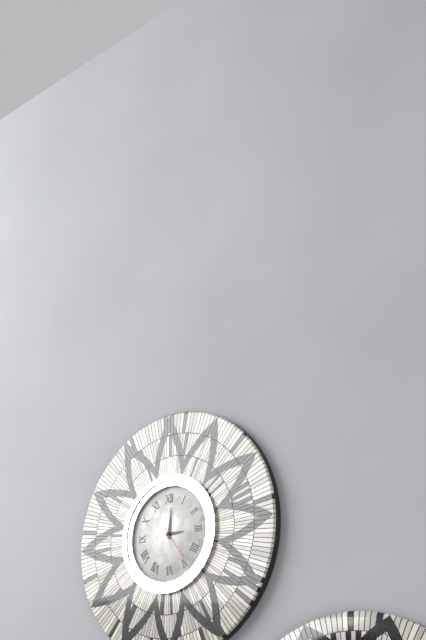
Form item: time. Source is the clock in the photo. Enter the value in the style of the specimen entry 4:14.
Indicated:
3:01
